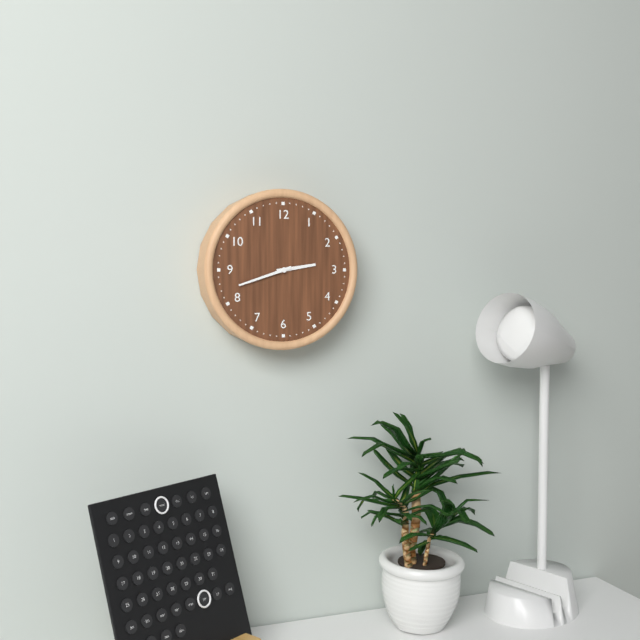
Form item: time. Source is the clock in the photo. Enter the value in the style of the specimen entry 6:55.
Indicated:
2:42
